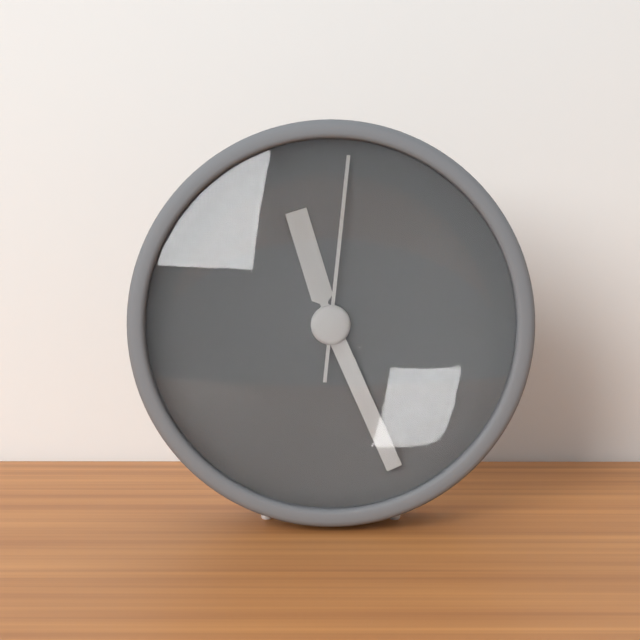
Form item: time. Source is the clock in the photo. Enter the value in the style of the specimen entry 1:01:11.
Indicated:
11:26:01
